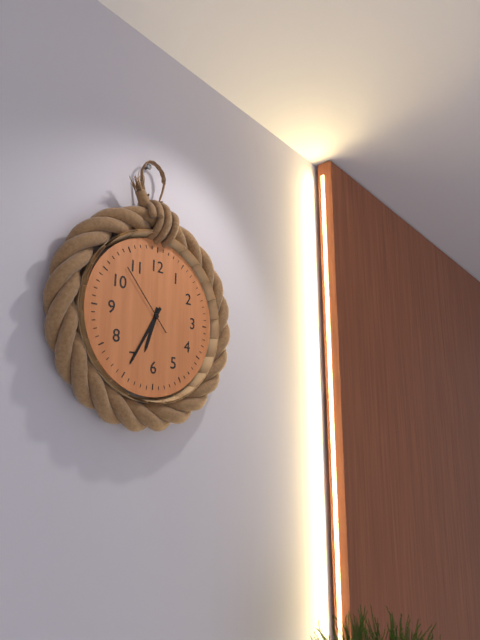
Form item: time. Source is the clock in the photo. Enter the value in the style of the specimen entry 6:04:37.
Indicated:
6:35:53
